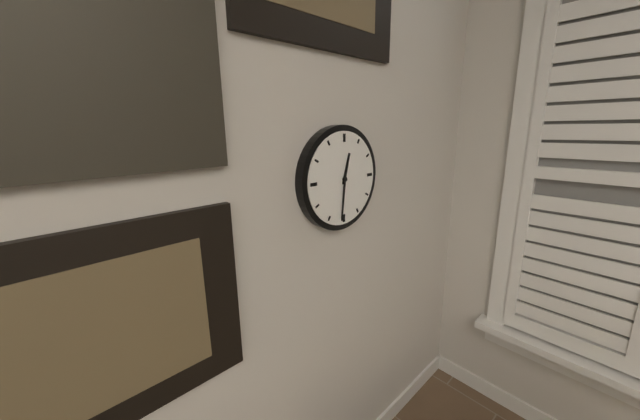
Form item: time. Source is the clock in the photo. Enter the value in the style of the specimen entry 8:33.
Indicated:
12:31
